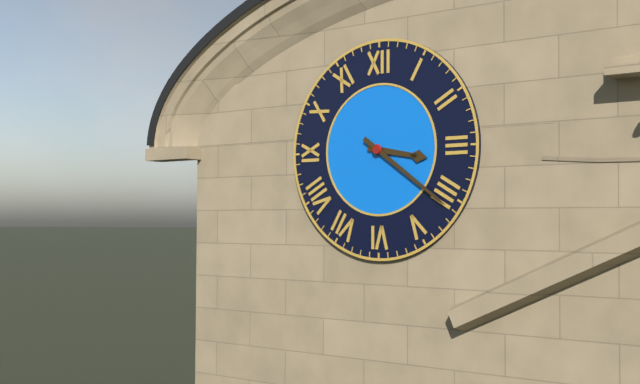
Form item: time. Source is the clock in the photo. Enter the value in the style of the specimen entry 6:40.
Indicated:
3:21
